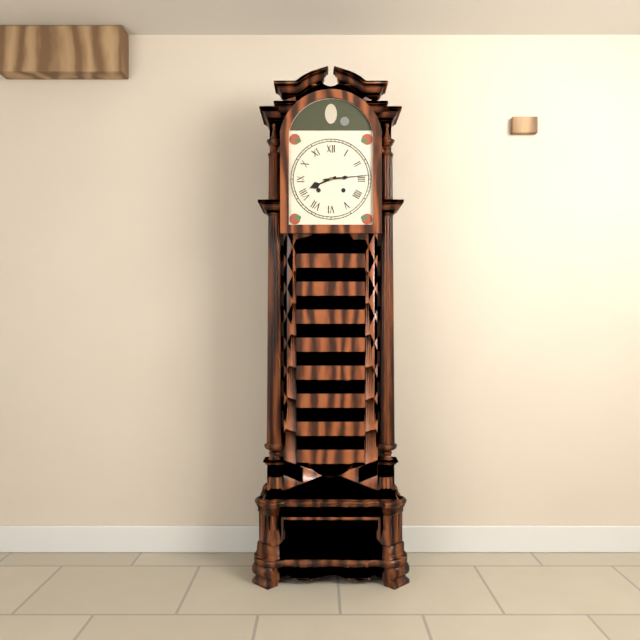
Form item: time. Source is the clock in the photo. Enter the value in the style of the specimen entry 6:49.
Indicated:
8:14
